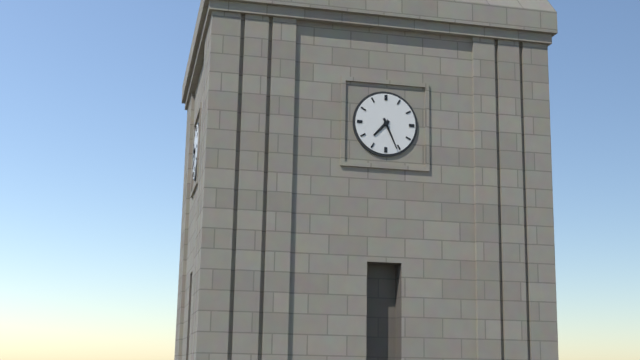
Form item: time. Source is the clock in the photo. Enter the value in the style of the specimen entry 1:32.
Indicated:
7:26
